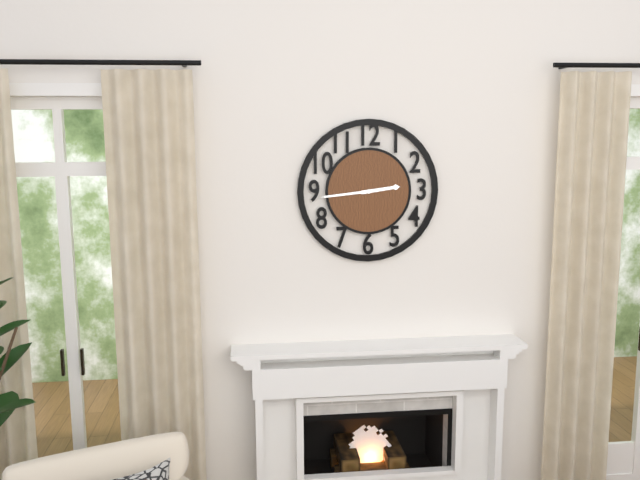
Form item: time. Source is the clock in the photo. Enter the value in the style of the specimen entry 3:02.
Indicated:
2:44
